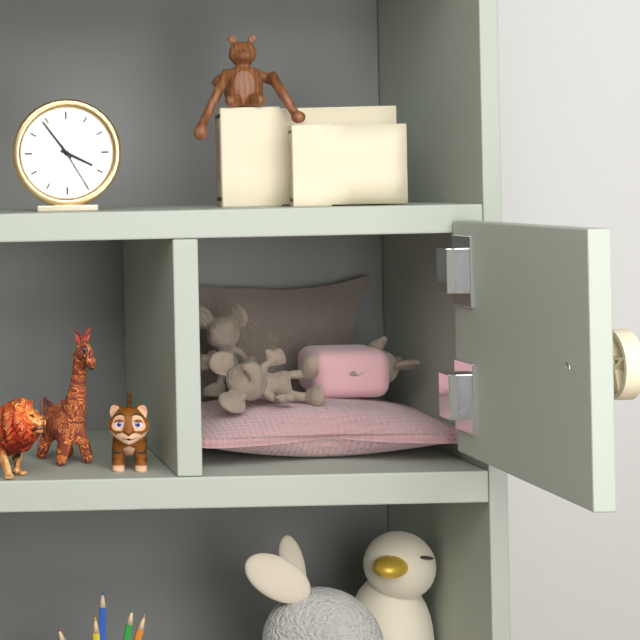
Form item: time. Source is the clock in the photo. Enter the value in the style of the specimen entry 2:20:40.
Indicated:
3:54:25
